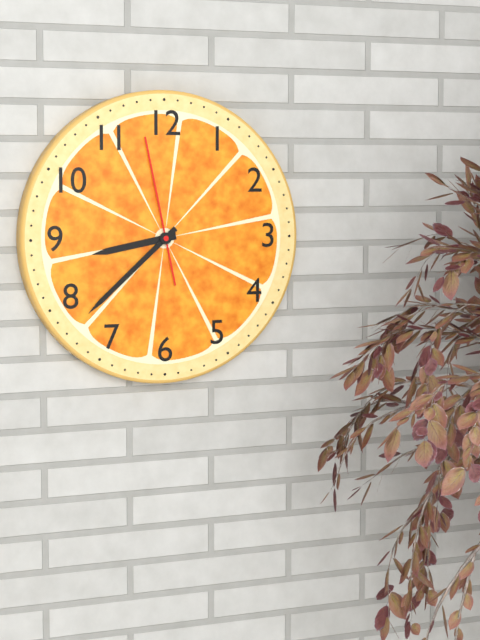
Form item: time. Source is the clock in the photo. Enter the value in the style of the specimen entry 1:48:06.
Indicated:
8:38:58
